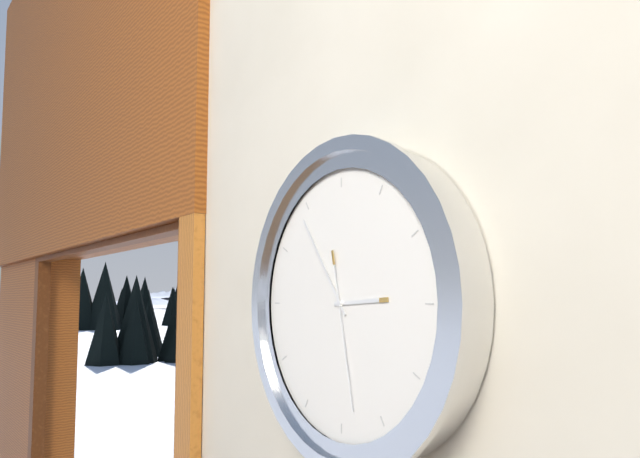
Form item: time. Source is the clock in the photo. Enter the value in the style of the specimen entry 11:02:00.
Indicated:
2:54:28
